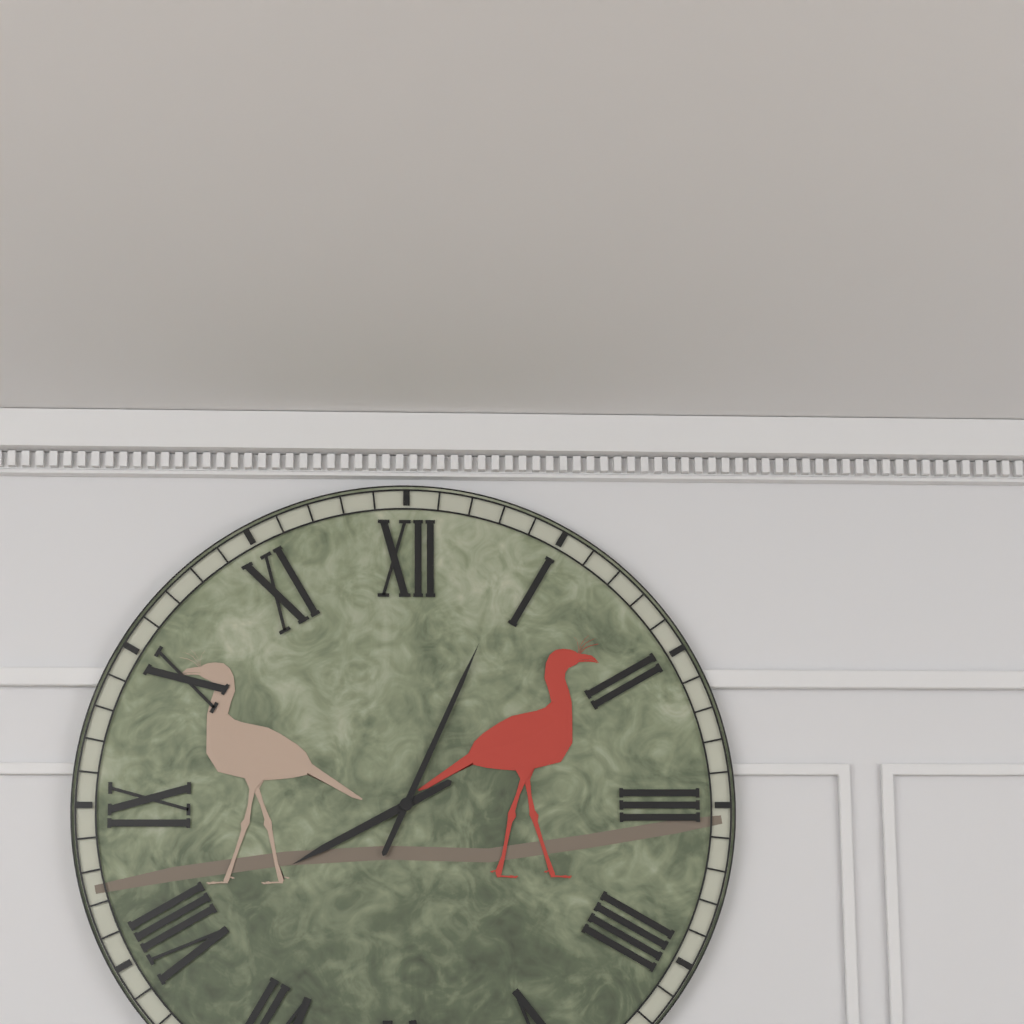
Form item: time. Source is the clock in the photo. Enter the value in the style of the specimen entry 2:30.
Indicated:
8:04
